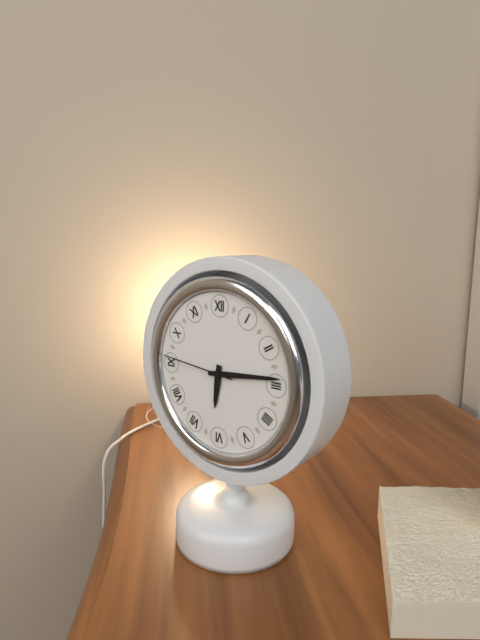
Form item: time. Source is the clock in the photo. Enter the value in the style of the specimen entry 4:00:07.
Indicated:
6:14:46
